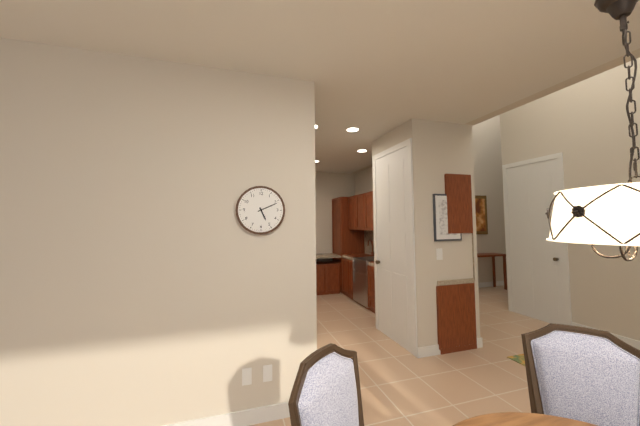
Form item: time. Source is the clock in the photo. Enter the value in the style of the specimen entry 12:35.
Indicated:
5:11
